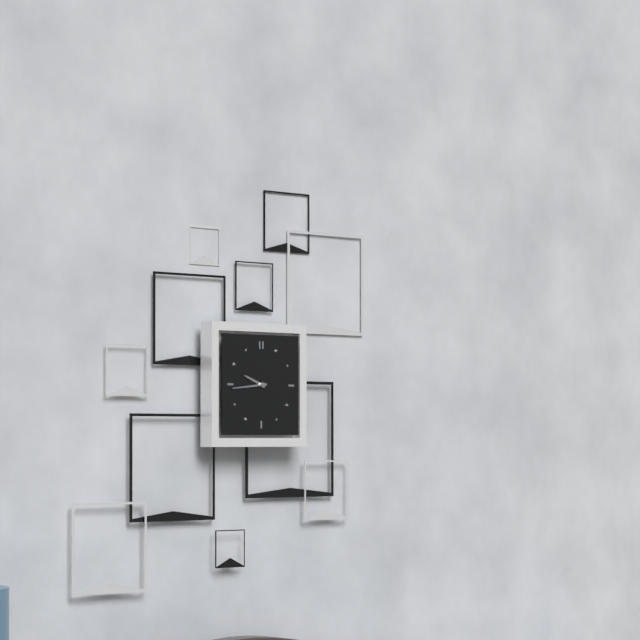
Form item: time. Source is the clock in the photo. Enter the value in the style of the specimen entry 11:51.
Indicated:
9:44
